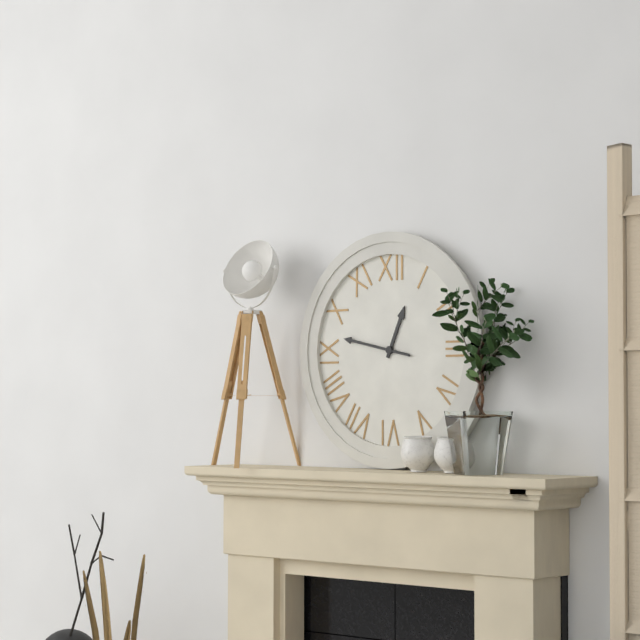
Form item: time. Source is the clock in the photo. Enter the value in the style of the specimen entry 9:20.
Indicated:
12:47
